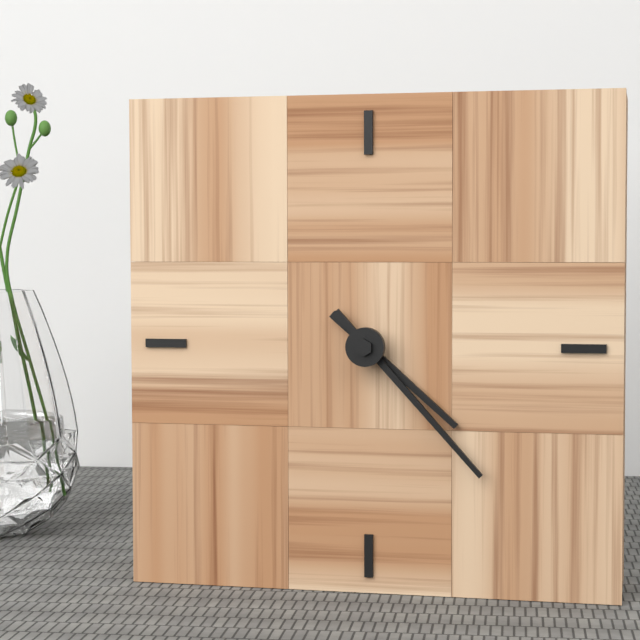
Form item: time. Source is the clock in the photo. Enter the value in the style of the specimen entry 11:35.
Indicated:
4:23
